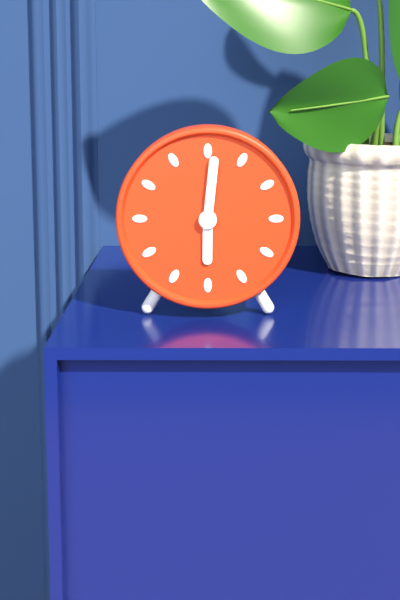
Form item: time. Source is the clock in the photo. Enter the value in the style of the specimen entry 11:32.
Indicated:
6:01
